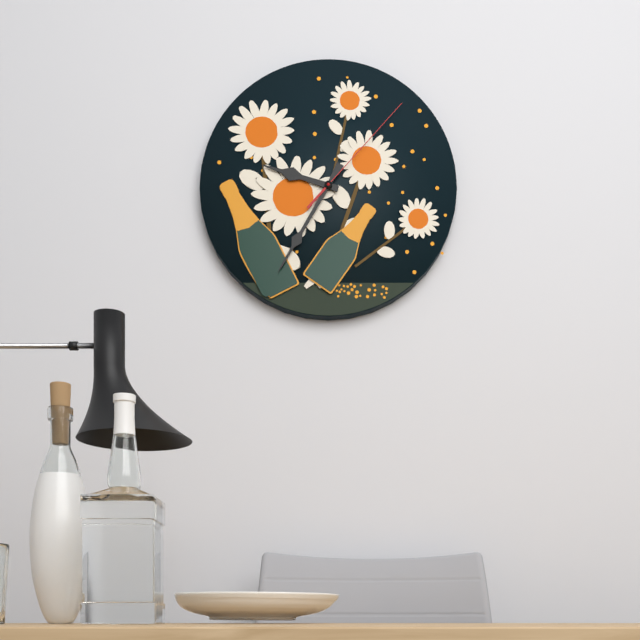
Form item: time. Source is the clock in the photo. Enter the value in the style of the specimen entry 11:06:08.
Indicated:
9:35:07
